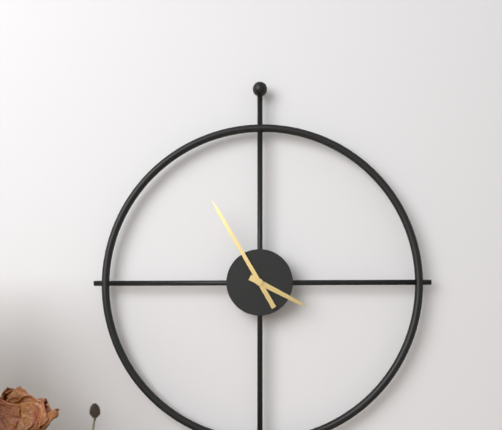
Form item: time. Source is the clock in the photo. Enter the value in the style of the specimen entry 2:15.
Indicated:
3:55
